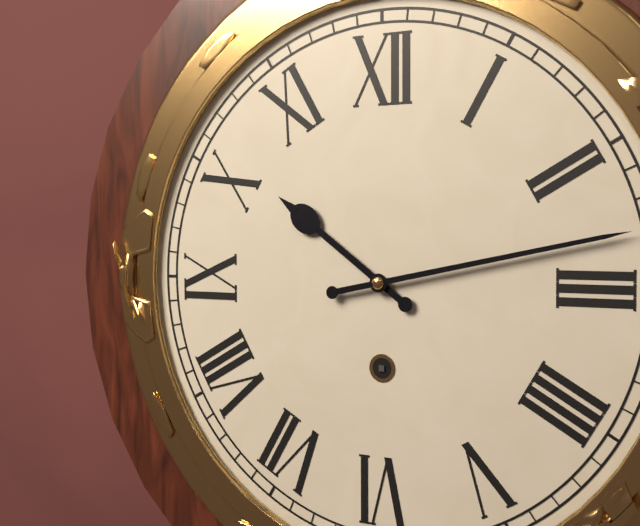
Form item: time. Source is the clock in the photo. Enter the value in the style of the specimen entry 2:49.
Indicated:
10:13
